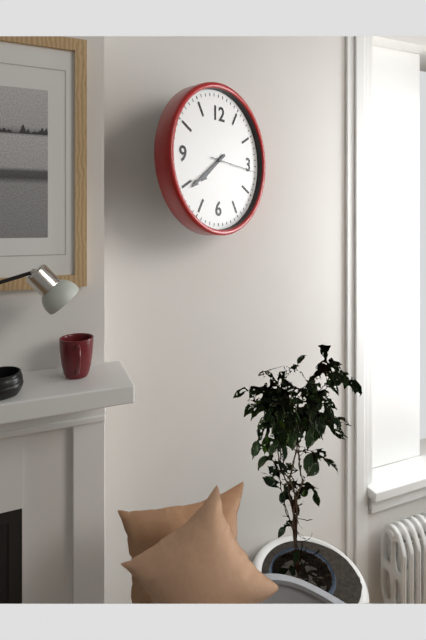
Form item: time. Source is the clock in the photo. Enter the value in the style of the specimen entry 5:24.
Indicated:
7:39
